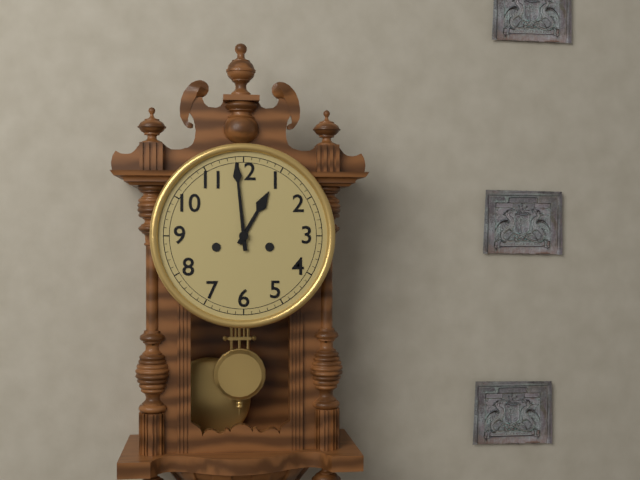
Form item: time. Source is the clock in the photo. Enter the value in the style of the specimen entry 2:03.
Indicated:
12:59
